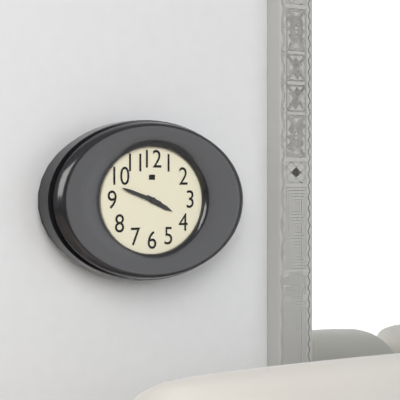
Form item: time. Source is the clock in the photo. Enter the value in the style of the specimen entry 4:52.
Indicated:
3:48
